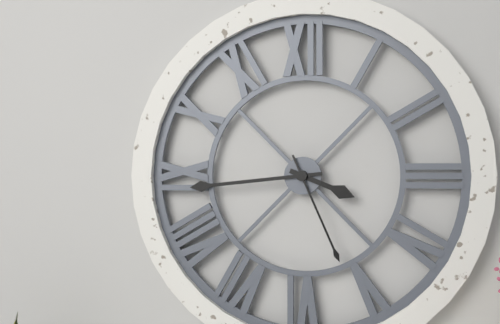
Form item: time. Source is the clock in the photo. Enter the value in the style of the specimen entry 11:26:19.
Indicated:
3:44:26
